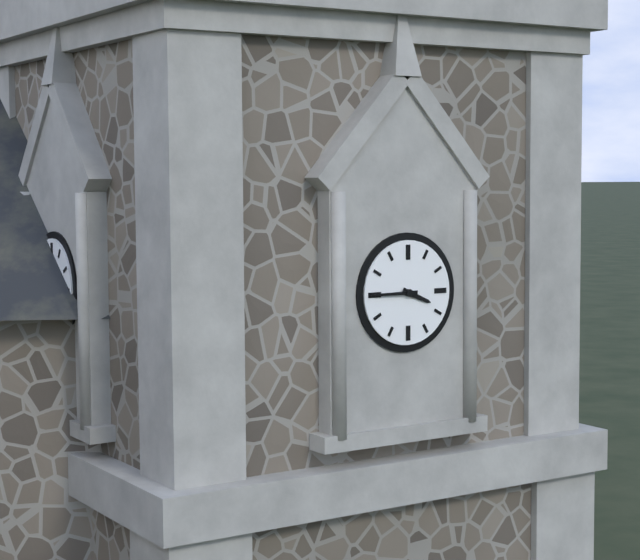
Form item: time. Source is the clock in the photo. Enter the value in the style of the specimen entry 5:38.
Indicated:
3:45
